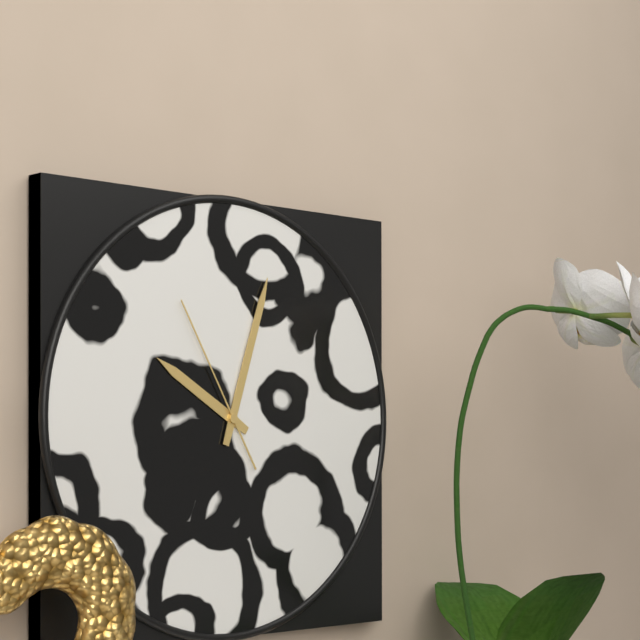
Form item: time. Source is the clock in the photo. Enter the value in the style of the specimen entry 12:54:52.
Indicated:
10:03:55
